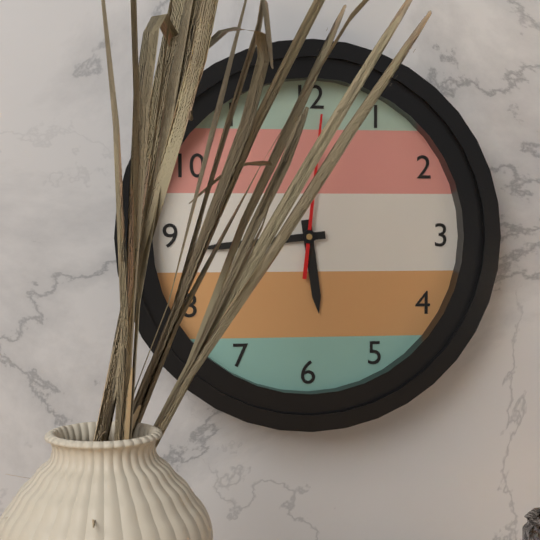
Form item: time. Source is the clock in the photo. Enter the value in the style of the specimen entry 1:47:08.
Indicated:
5:44:01
